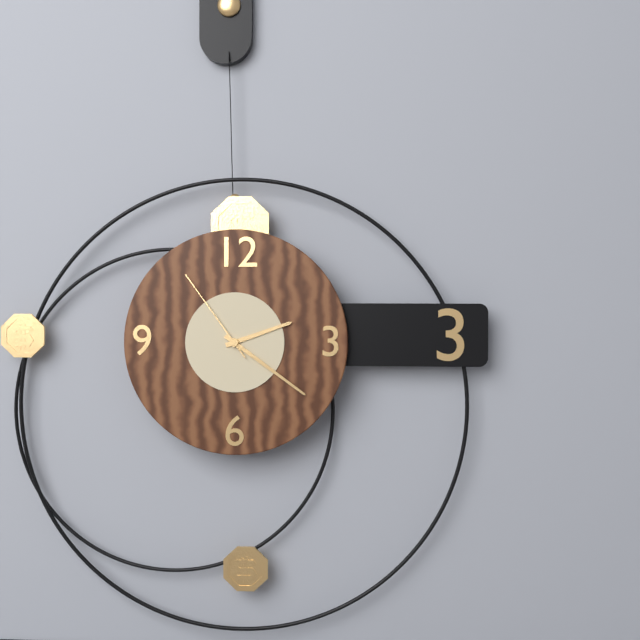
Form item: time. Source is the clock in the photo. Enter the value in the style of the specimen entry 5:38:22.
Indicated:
2:21:54
